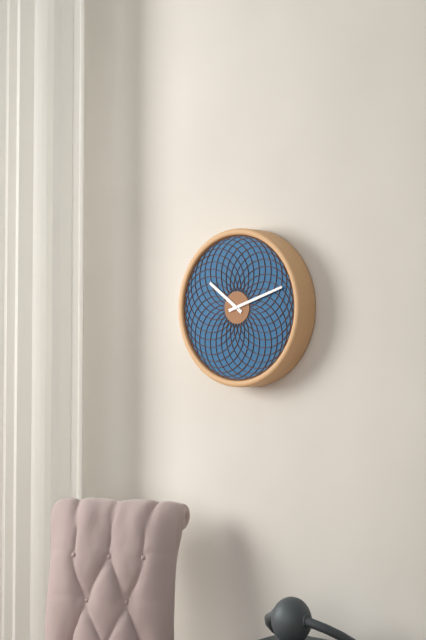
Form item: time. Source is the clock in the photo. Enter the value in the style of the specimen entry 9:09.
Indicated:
10:12
